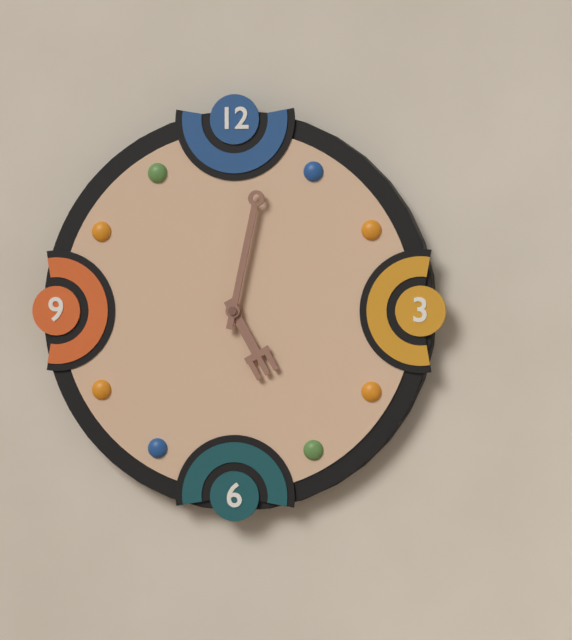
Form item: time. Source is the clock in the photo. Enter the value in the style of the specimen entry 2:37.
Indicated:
5:02
